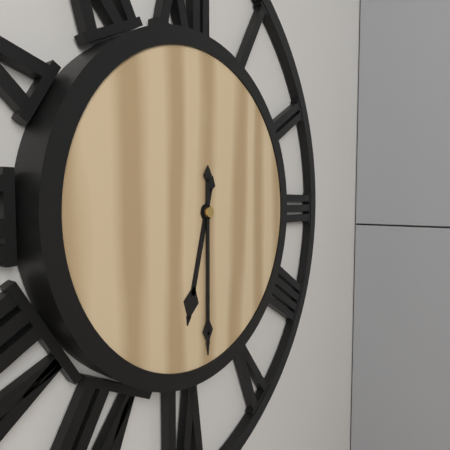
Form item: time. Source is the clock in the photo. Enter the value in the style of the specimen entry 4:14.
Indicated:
6:30
